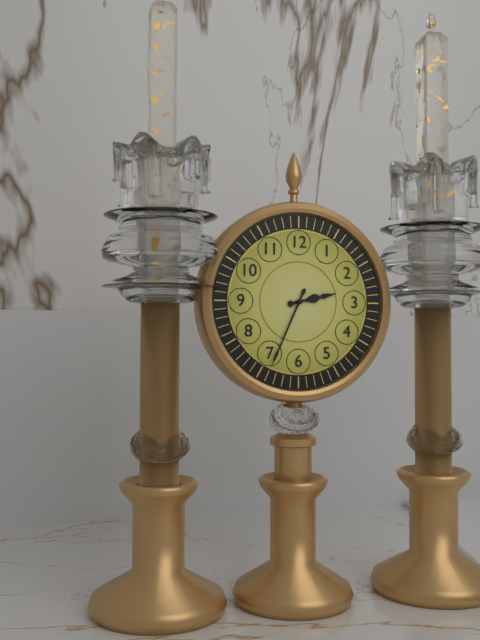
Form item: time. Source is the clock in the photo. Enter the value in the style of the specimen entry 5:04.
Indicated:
2:34
